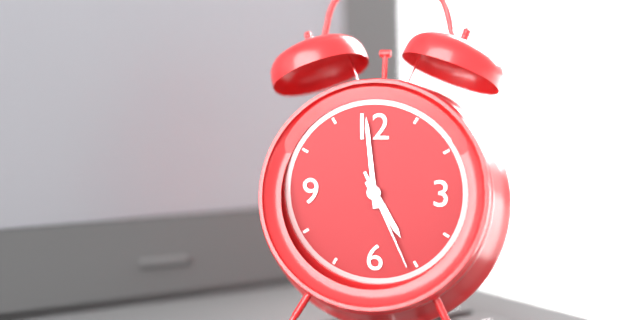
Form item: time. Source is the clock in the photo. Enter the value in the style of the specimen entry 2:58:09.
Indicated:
4:59:26
